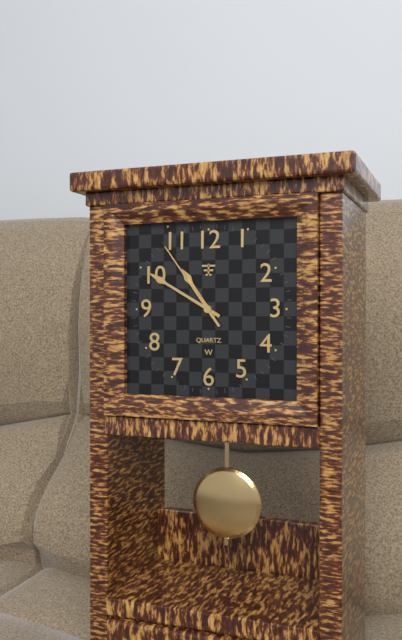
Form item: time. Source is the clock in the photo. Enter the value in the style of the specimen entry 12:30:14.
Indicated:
10:50:54
